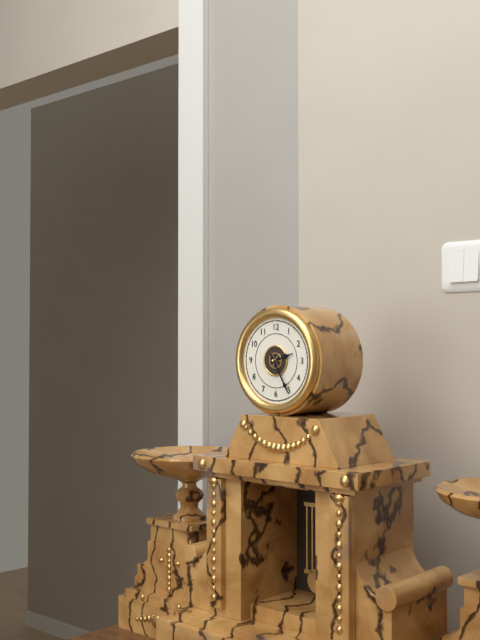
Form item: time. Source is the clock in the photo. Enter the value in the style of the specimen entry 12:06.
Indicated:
2:25
